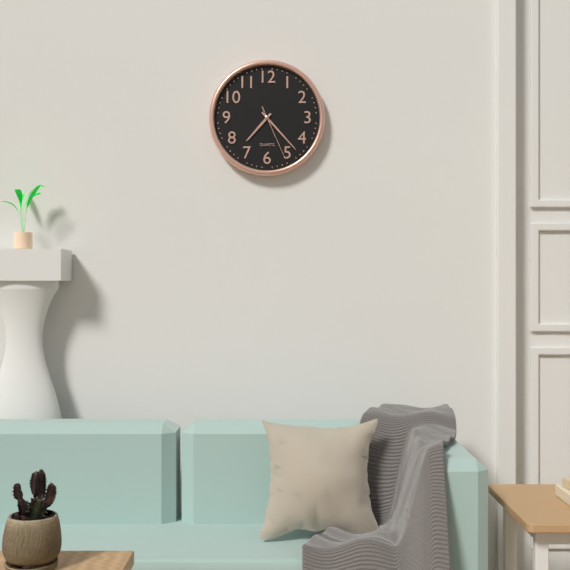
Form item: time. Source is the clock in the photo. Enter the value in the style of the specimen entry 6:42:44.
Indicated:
7:23:26
